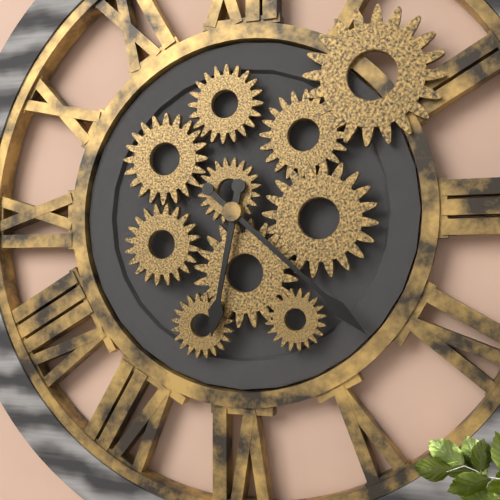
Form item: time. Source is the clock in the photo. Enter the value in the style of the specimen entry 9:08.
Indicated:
6:22
